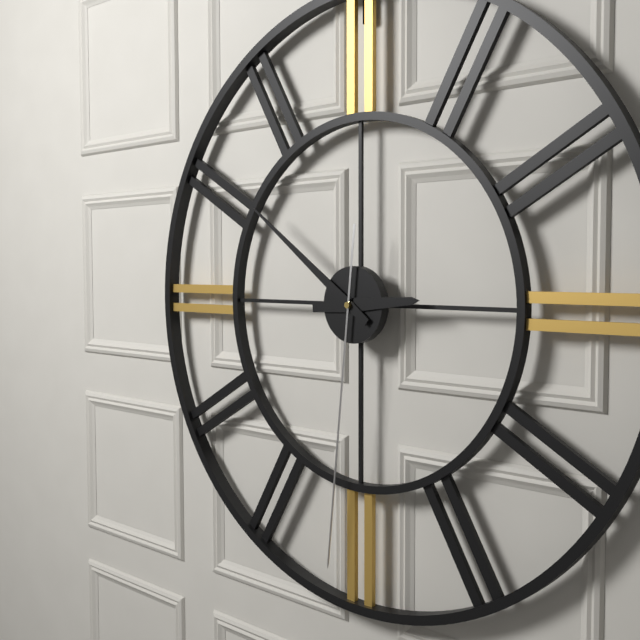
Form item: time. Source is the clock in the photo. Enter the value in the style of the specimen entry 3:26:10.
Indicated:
2:51:31
